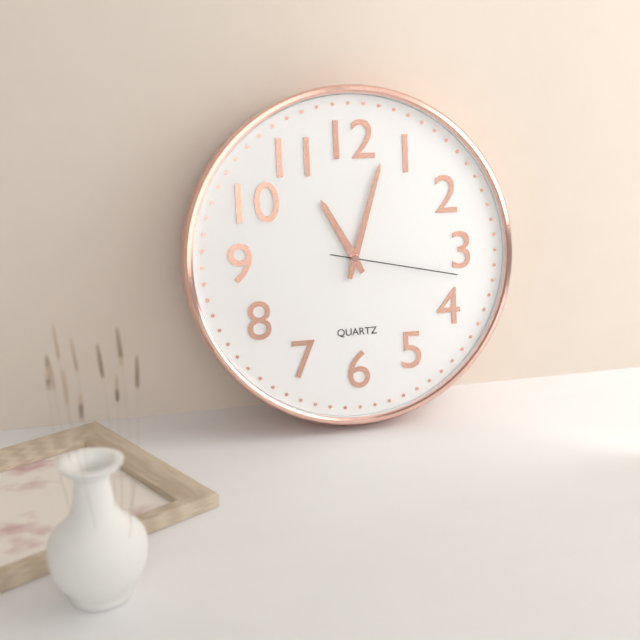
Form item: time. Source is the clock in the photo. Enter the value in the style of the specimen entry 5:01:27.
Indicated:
11:03:17
